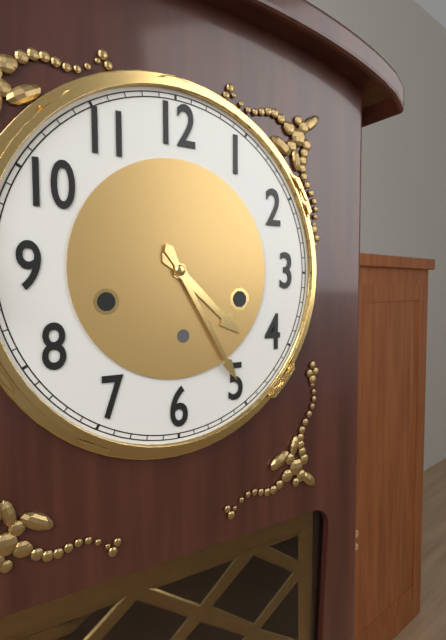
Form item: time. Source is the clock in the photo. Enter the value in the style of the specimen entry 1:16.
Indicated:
4:25
